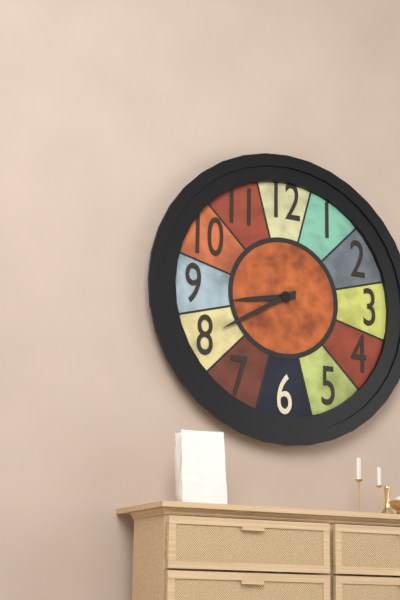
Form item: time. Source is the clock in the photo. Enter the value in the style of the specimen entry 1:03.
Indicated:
8:40
